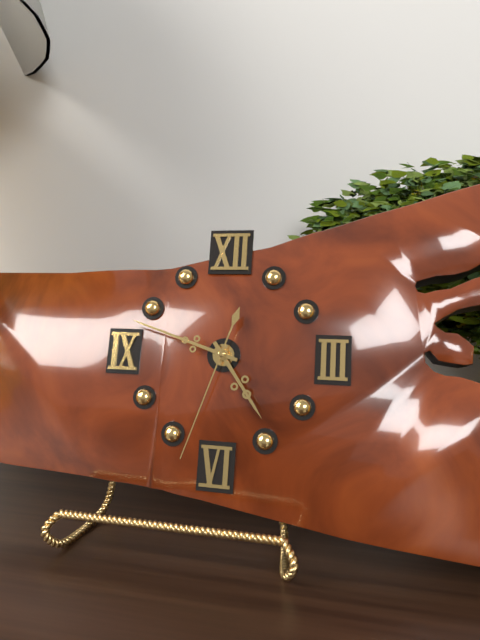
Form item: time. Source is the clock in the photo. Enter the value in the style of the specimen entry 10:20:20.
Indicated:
4:48:33
